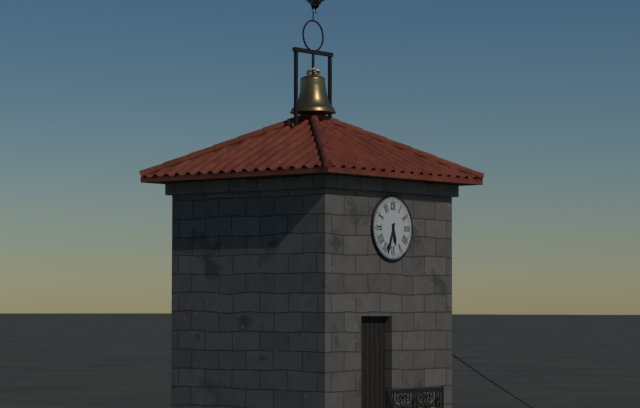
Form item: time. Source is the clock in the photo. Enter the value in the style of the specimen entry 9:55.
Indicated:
5:33
